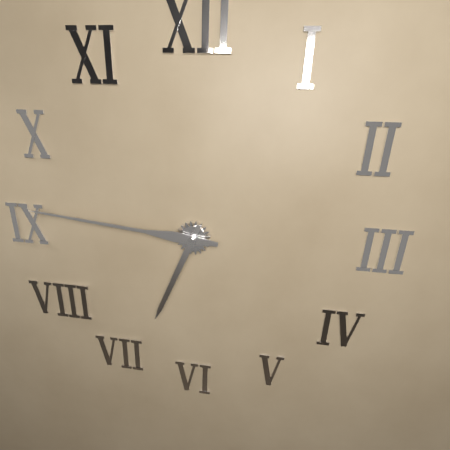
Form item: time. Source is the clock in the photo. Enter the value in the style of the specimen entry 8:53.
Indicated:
6:46
